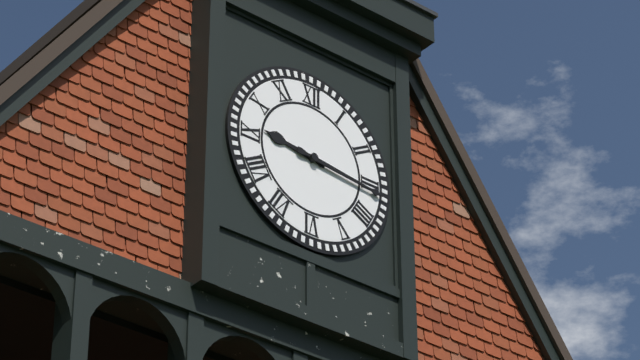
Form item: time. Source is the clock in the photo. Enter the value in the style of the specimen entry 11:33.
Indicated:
9:16
